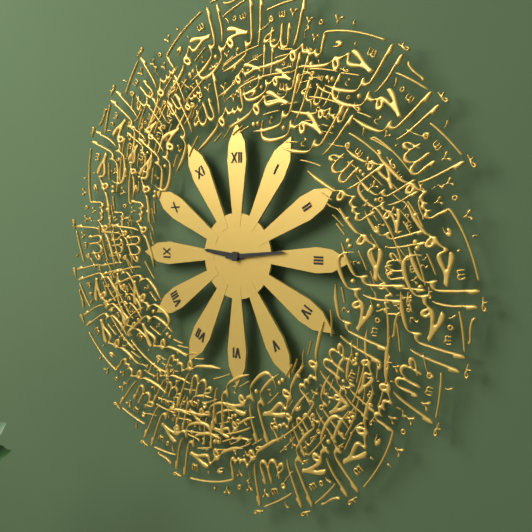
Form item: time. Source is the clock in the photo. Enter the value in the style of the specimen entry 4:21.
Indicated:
9:14
